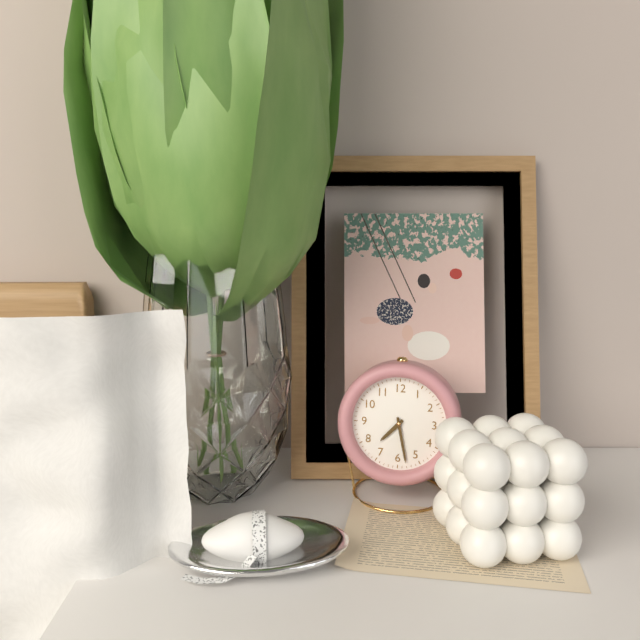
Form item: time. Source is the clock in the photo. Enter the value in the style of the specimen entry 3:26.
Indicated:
7:28
